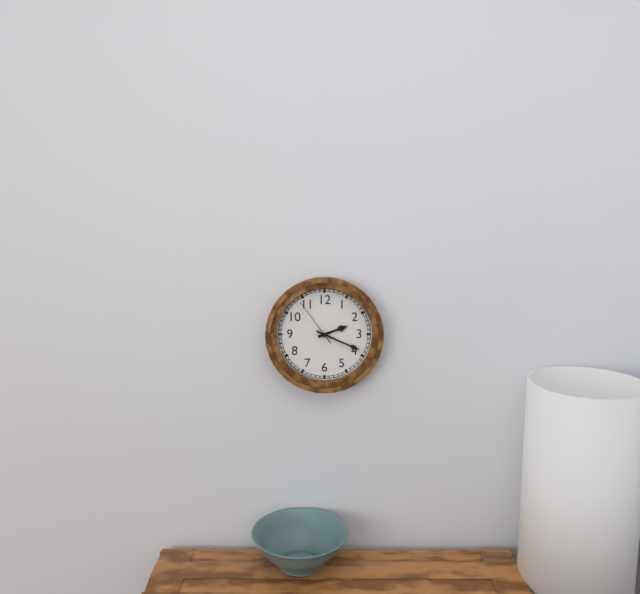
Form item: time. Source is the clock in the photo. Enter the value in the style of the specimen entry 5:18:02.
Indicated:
2:19:54
